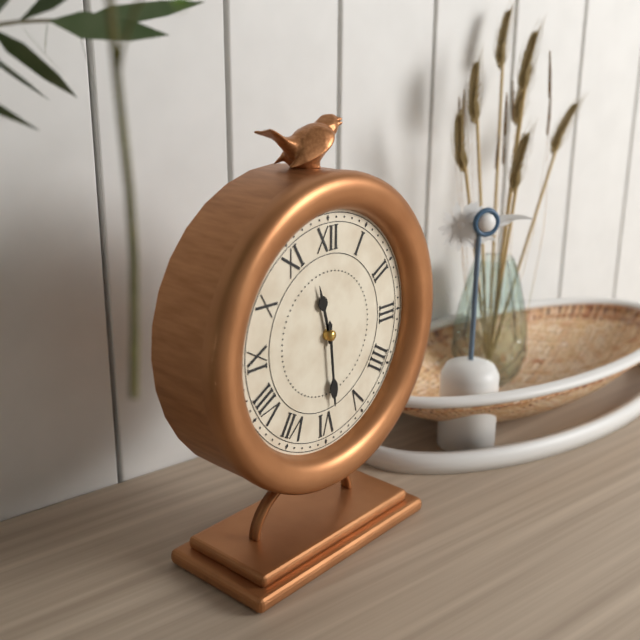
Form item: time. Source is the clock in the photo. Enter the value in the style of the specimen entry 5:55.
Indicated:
11:29
